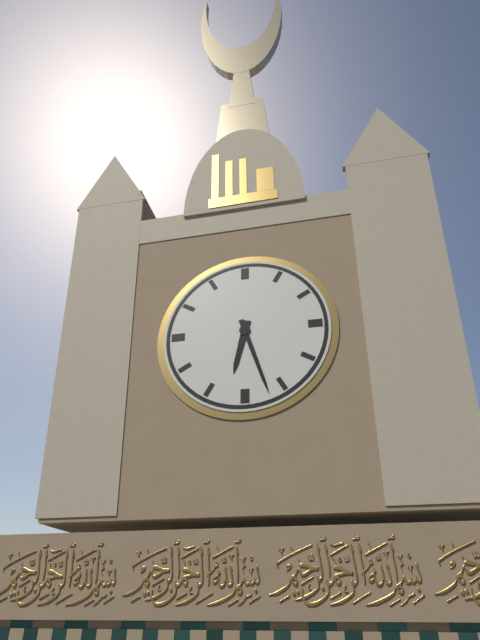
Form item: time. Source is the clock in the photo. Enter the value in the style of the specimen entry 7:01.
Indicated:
6:27
